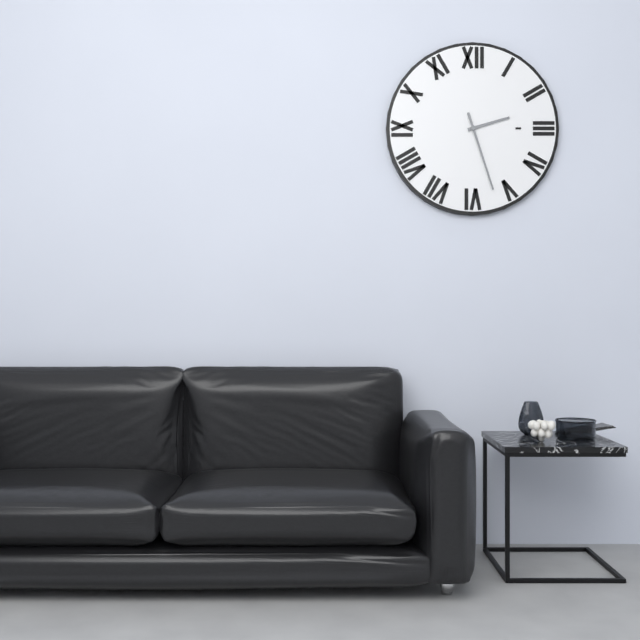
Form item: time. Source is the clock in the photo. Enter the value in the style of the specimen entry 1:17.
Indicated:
2:27
